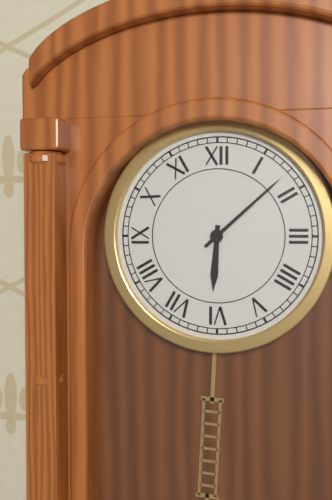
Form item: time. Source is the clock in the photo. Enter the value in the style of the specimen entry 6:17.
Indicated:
6:08
